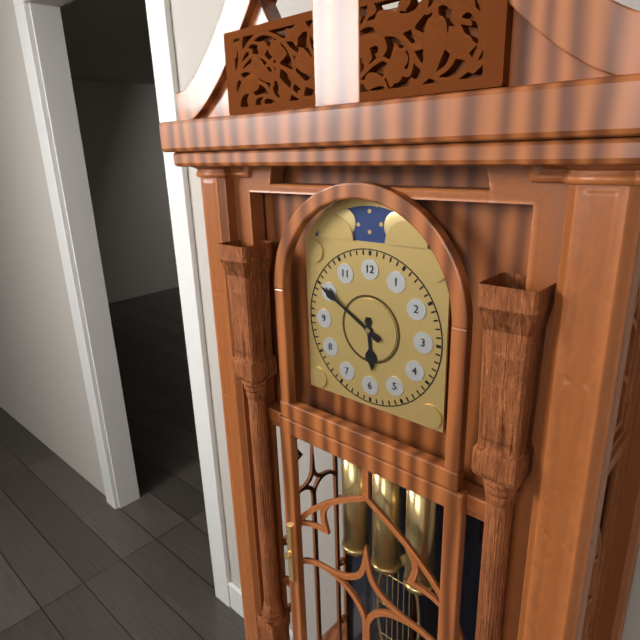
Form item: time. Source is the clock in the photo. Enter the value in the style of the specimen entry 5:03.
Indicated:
5:50
